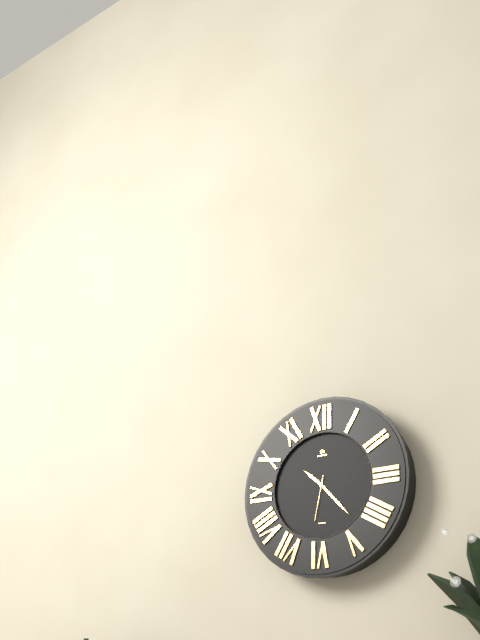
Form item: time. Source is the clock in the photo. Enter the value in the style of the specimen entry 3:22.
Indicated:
10:23
